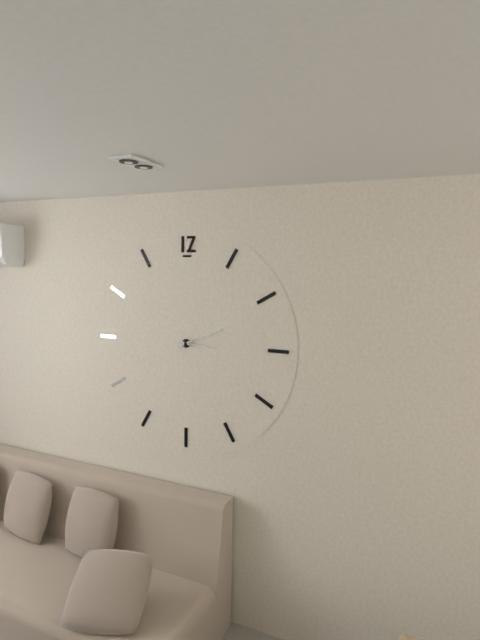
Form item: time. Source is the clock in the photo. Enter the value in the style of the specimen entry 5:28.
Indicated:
3:11
